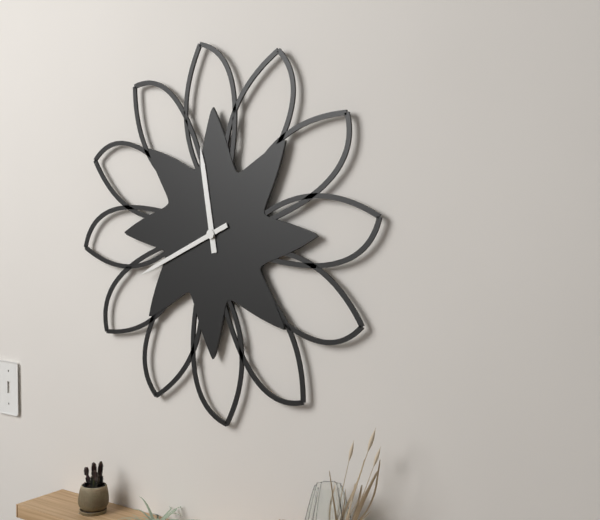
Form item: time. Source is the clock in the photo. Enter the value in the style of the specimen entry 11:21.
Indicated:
11:41
